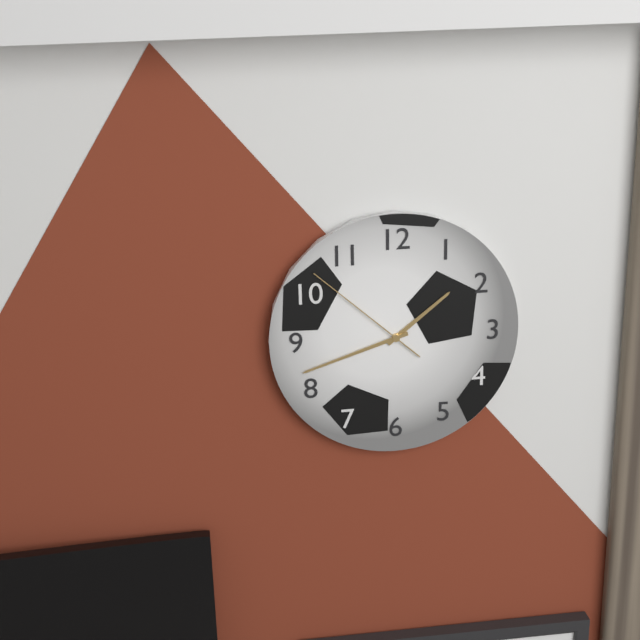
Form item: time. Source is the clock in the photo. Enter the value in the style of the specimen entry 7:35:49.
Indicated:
1:42:52
